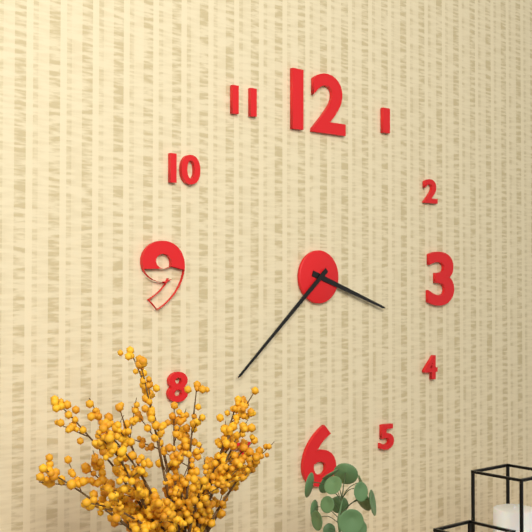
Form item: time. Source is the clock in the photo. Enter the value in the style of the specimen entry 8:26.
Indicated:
3:38
